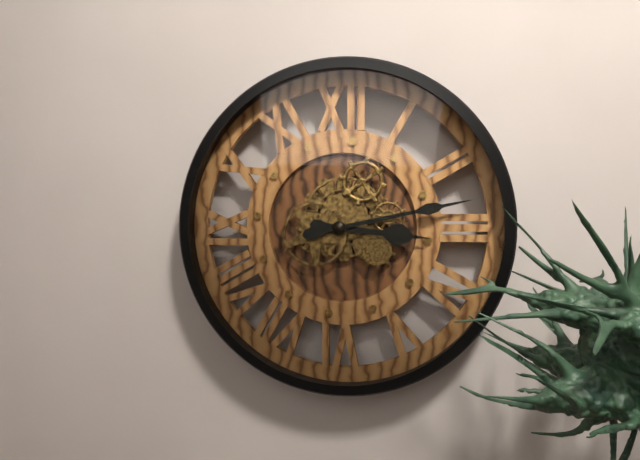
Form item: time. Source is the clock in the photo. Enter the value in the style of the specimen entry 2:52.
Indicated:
3:13
